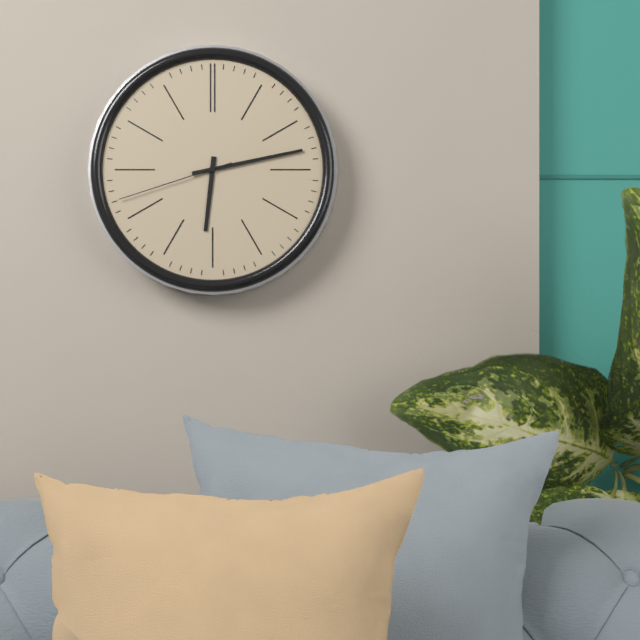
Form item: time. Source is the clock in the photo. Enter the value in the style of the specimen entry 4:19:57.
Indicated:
6:13:42
